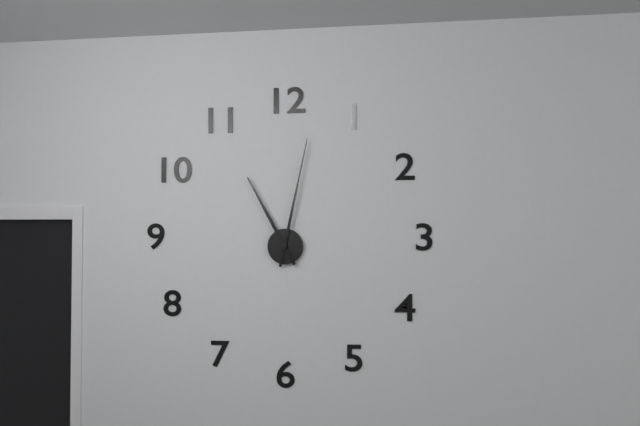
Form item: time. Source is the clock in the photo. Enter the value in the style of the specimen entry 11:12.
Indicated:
11:02
